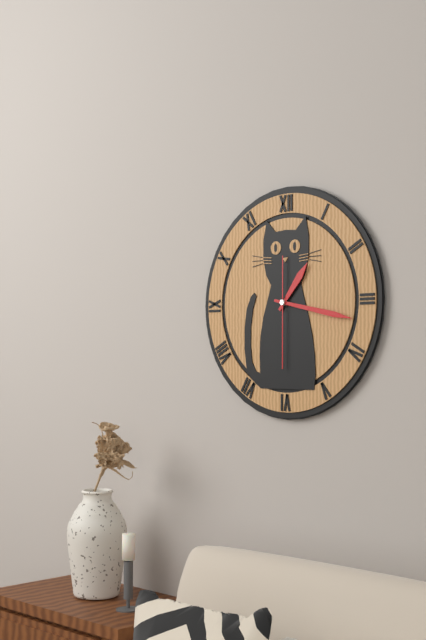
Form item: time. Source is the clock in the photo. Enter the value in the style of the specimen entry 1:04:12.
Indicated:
1:17:30
